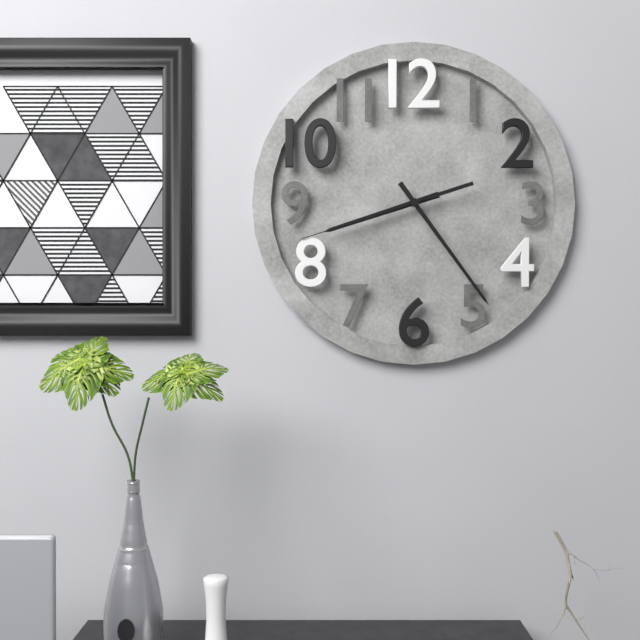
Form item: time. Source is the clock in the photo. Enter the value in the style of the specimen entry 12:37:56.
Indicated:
8:24:42
